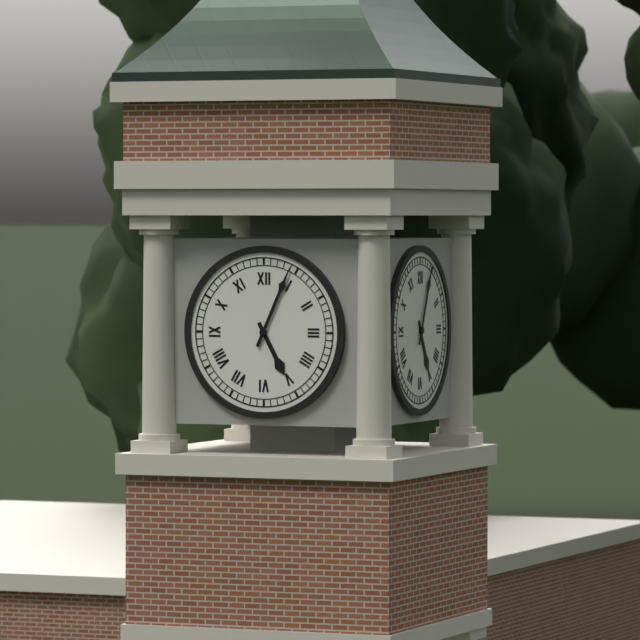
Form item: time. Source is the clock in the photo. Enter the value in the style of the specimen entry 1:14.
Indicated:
5:04
